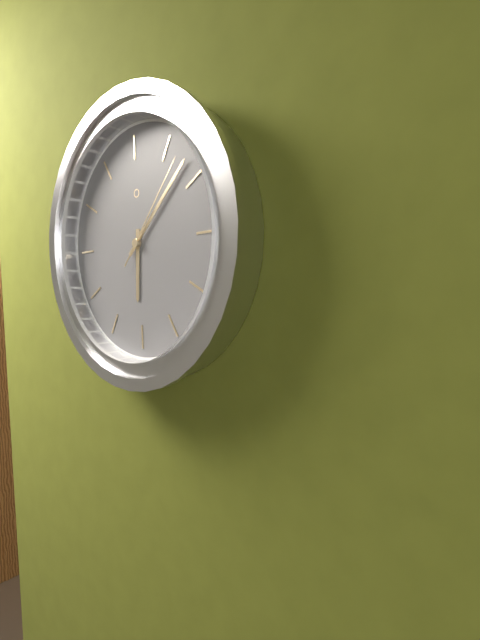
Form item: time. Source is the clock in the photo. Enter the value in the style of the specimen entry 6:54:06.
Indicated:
6:08:07
